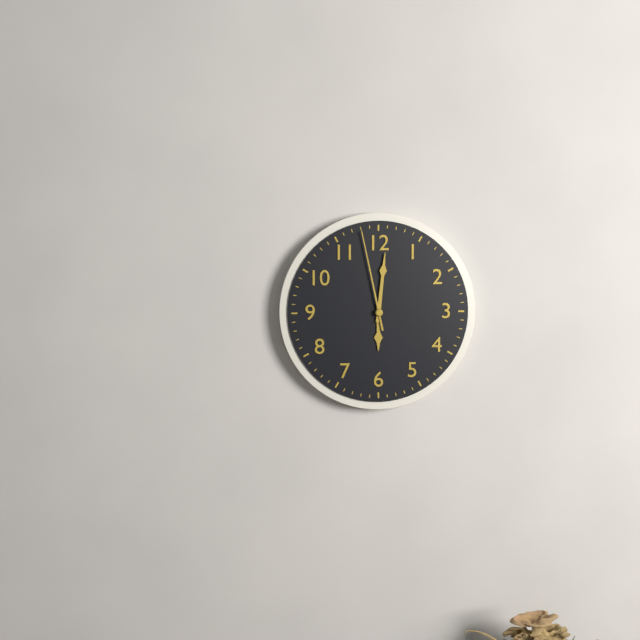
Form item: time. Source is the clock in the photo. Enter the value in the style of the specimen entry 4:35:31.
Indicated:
6:01:58
